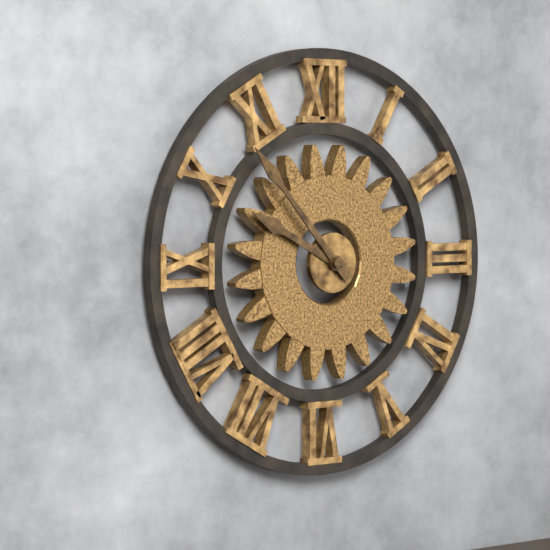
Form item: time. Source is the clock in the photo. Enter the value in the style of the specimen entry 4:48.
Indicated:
9:53
